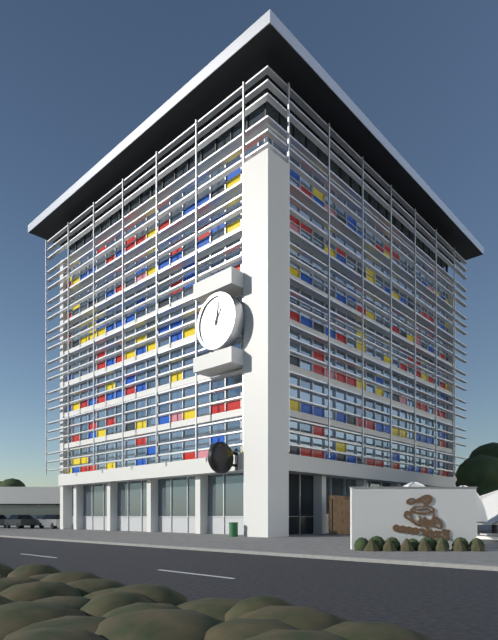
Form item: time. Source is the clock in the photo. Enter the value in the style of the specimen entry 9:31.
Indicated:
1:02
